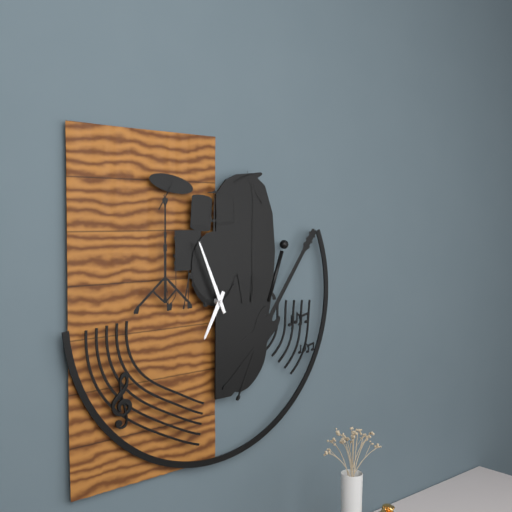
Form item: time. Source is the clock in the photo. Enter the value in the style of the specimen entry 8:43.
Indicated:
6:56
